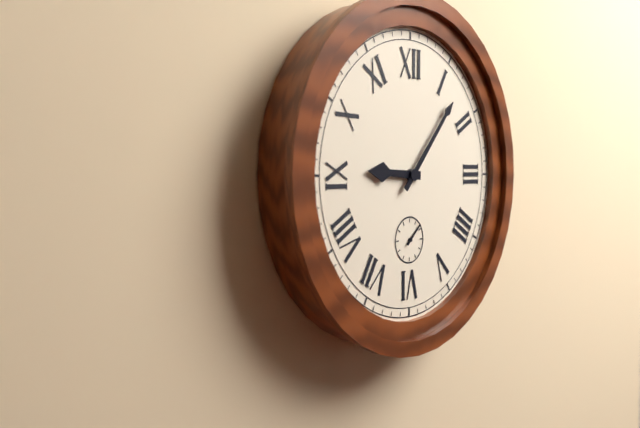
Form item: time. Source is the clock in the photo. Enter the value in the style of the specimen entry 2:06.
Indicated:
9:07
